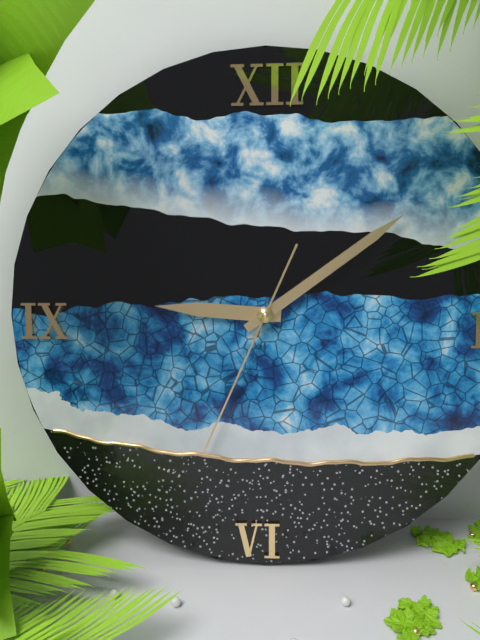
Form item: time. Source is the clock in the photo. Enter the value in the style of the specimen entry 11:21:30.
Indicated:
9:09:34
